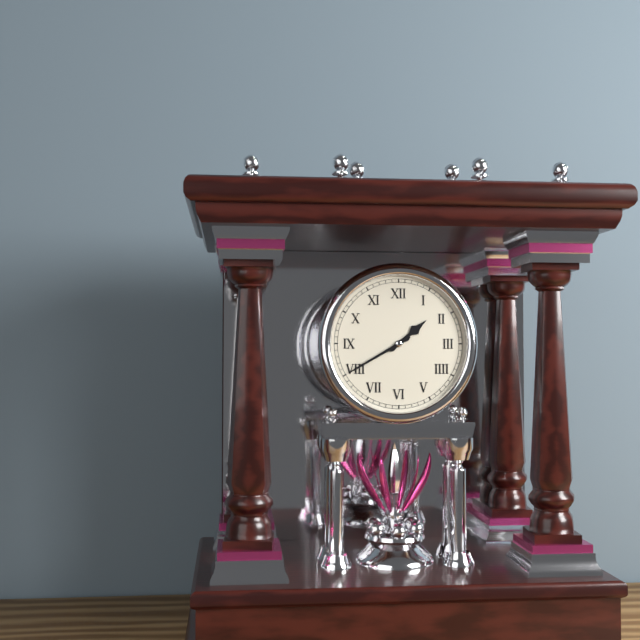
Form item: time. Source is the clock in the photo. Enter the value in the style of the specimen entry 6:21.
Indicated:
1:40
